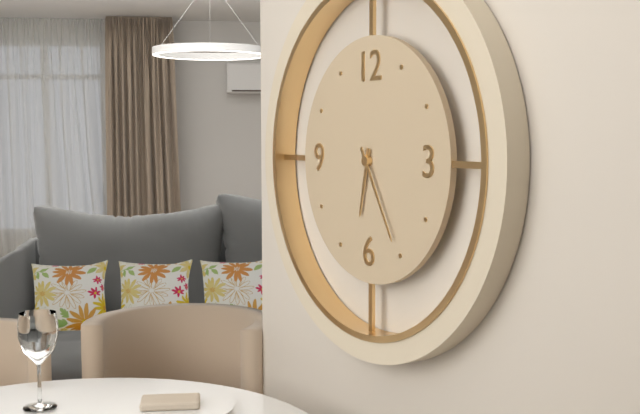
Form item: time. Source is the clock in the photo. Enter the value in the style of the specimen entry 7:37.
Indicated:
6:25
